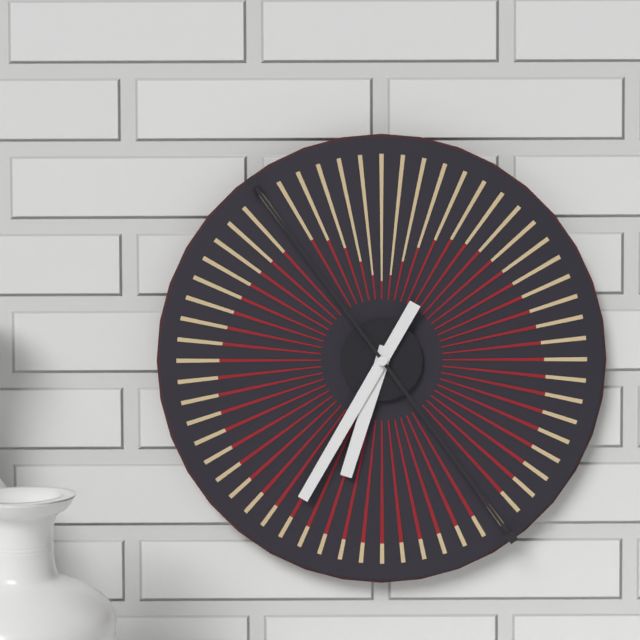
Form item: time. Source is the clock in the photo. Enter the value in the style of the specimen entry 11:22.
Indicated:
6:35
